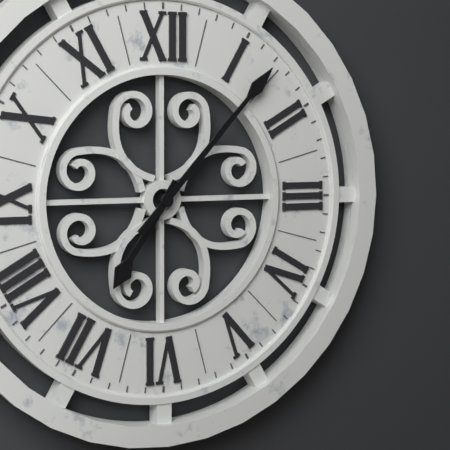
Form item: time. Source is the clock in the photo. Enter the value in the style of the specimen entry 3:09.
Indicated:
7:07
